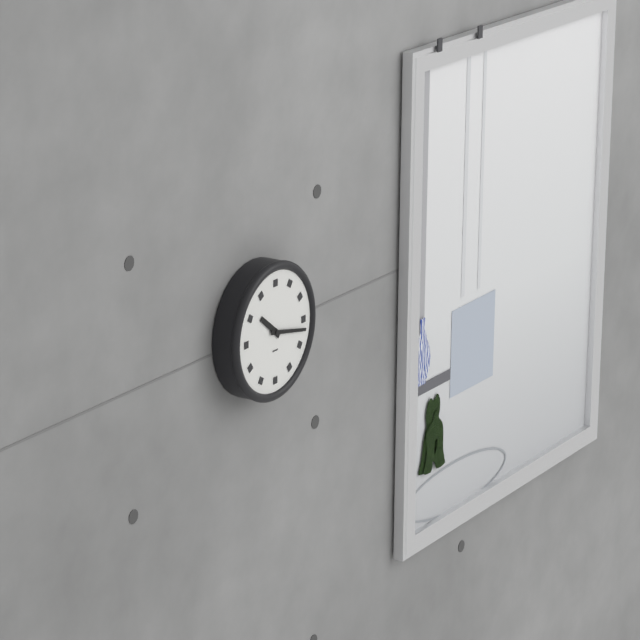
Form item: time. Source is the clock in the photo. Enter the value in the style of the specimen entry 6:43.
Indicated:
10:17
